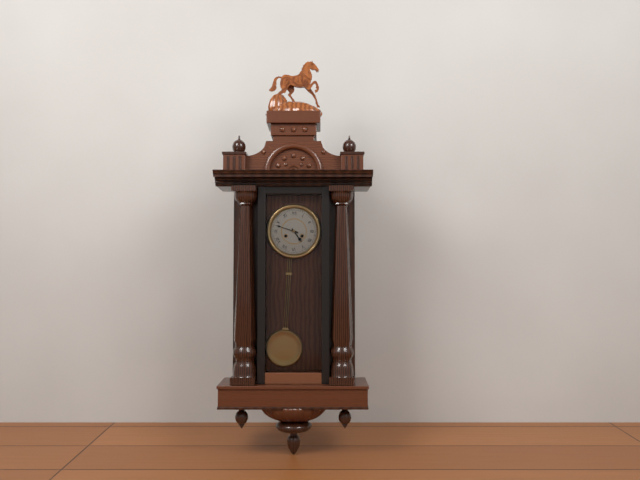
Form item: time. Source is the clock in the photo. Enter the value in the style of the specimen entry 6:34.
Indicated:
4:48
